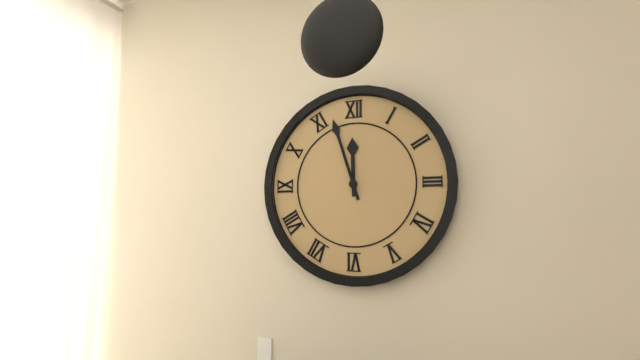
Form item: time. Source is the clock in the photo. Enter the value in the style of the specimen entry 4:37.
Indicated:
11:57
